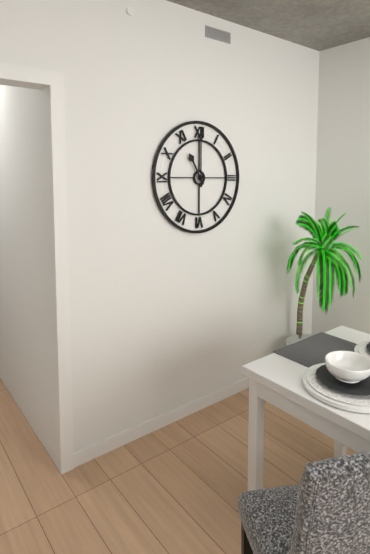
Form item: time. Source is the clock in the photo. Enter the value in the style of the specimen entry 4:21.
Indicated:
11:00
